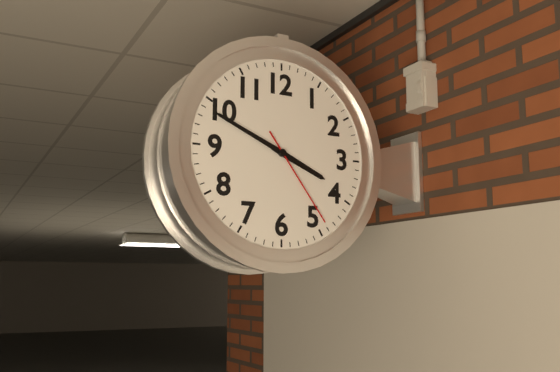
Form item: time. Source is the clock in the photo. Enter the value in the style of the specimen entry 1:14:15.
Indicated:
3:49:24
